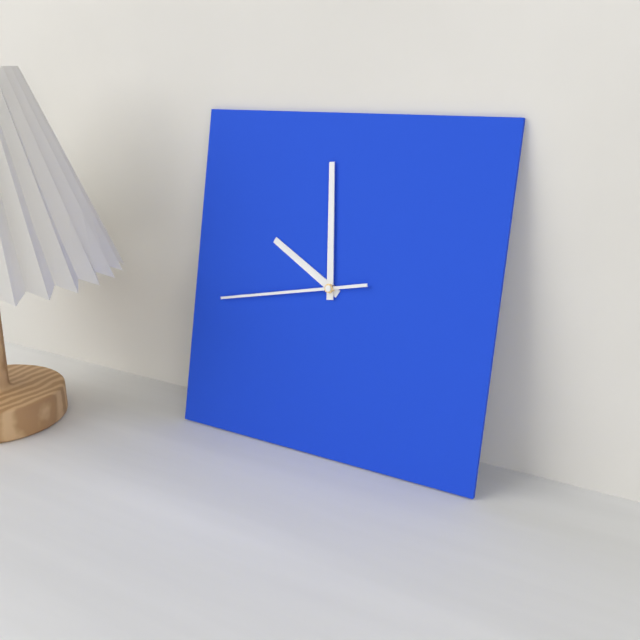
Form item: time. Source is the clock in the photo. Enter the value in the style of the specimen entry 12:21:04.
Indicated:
9:59:43
